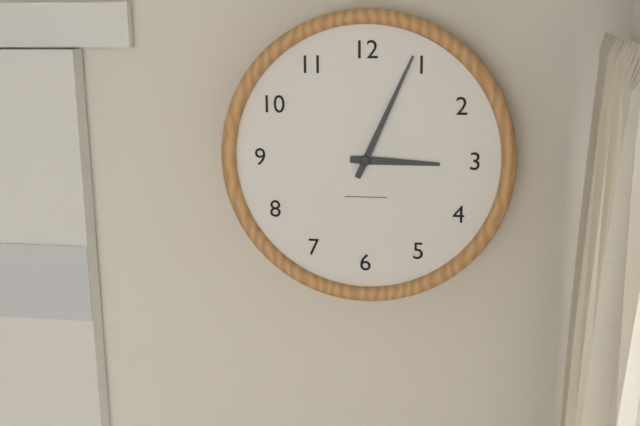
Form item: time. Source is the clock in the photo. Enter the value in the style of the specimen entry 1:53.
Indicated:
3:04
